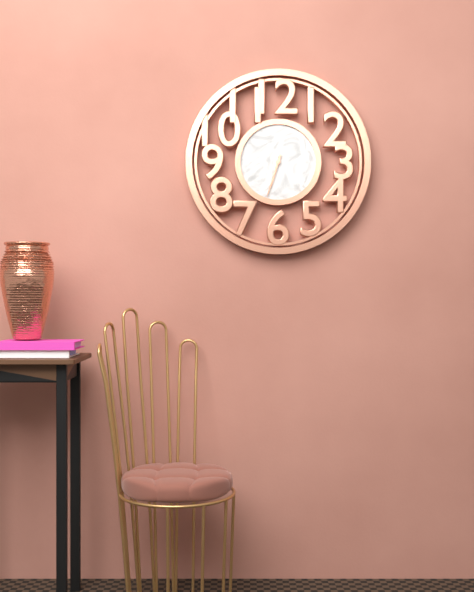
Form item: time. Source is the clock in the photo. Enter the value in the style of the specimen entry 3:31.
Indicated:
6:33
